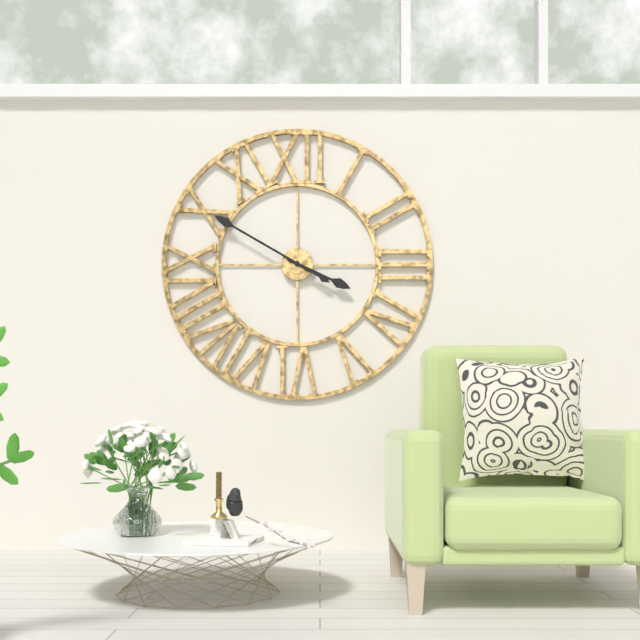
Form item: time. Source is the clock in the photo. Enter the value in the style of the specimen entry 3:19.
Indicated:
3:50
